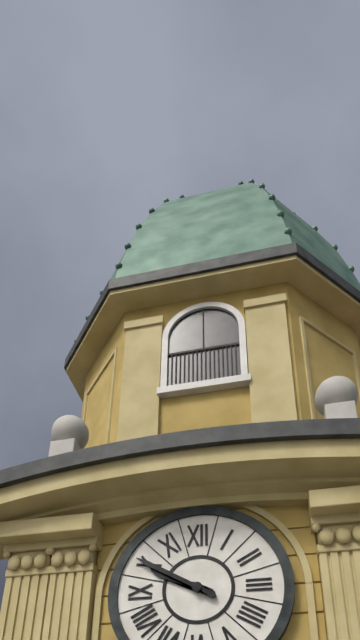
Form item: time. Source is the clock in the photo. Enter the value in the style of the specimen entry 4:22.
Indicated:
9:50
